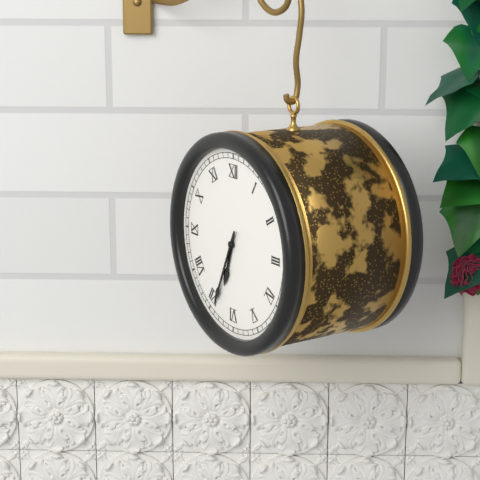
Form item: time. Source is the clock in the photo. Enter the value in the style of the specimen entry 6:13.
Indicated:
6:34
